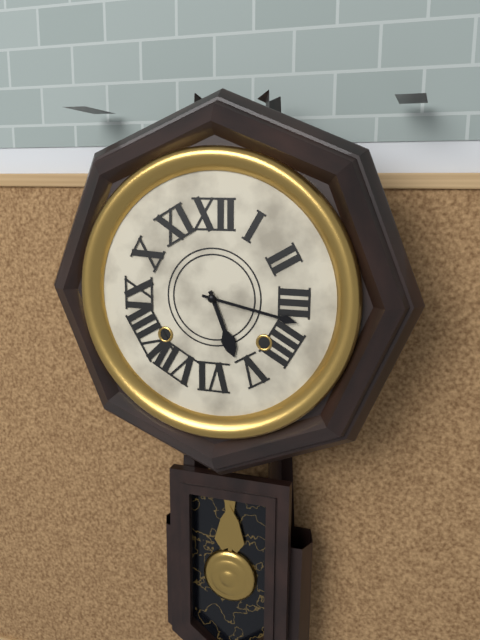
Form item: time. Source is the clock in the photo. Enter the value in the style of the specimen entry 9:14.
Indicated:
5:17
